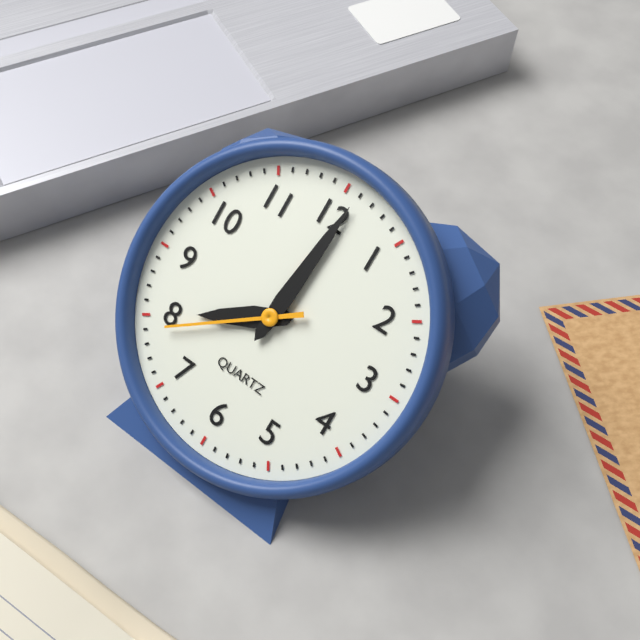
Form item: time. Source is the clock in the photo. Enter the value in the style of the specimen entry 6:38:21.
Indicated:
8:01:39
